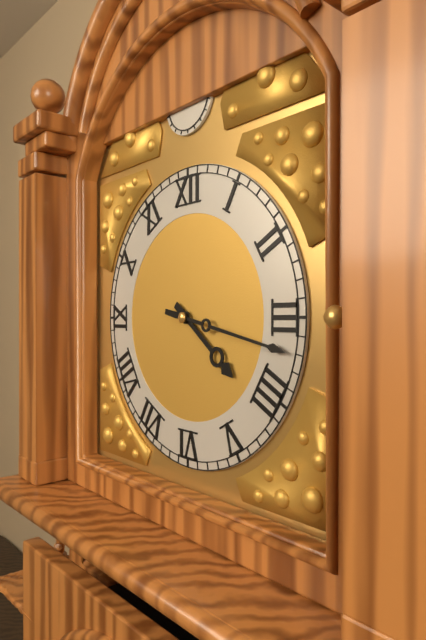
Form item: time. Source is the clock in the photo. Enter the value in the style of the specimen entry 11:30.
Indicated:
4:17
